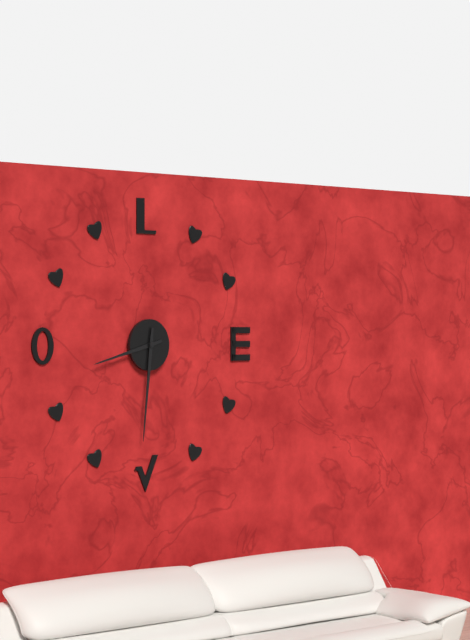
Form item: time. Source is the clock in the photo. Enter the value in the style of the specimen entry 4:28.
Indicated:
8:31
